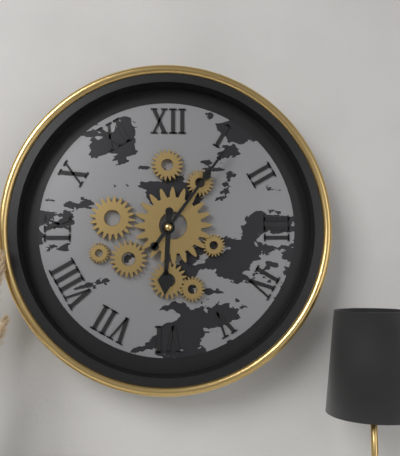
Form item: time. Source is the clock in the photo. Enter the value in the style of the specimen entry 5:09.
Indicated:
6:06
